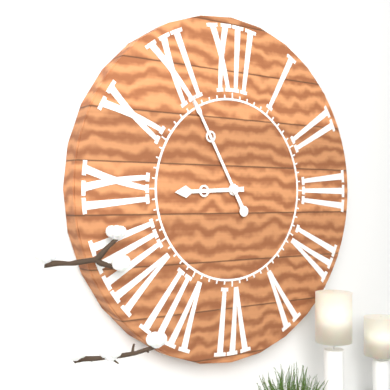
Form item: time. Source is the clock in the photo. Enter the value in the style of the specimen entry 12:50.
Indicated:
8:55
